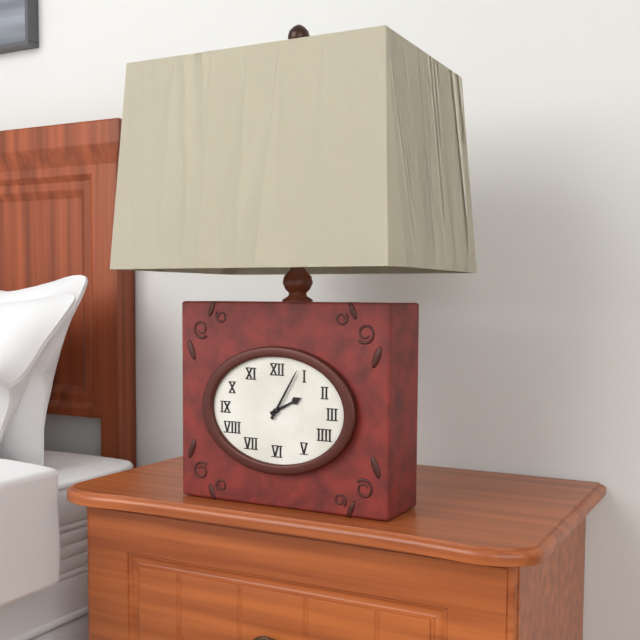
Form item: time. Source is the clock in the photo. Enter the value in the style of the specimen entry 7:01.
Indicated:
2:05
